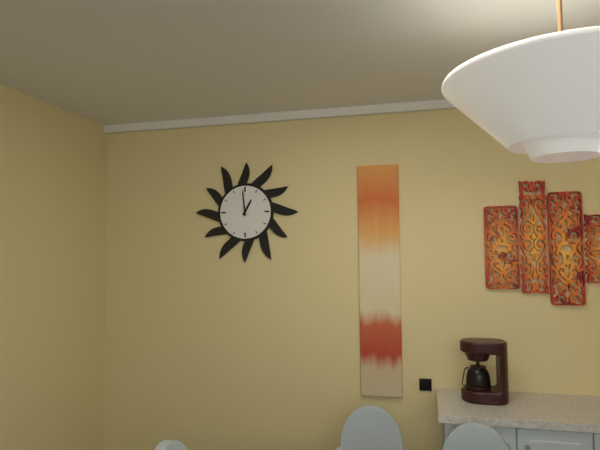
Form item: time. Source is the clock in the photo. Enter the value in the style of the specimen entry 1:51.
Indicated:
12:59
